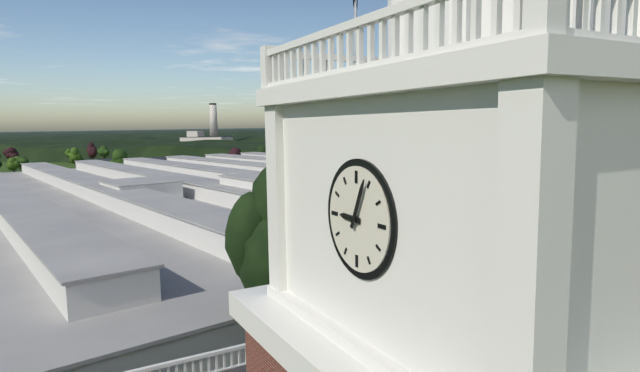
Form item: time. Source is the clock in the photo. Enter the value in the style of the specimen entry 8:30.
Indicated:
9:04
